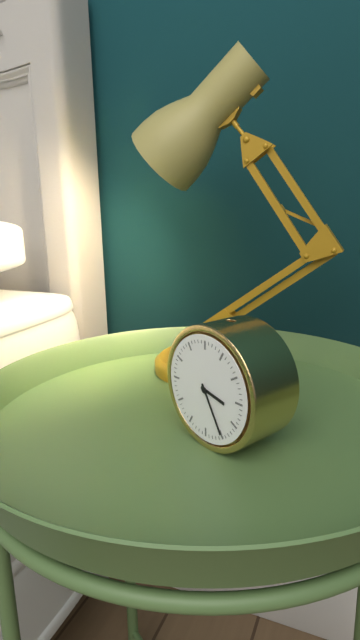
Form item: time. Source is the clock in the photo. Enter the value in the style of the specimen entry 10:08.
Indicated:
3:25
